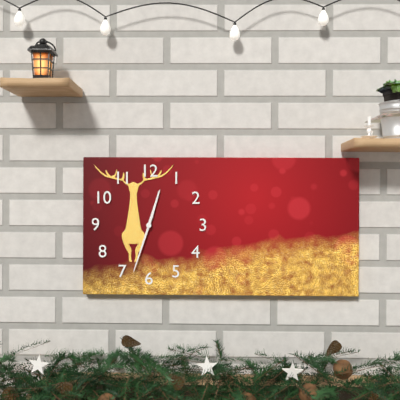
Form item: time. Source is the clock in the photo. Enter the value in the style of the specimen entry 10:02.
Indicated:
12:33
